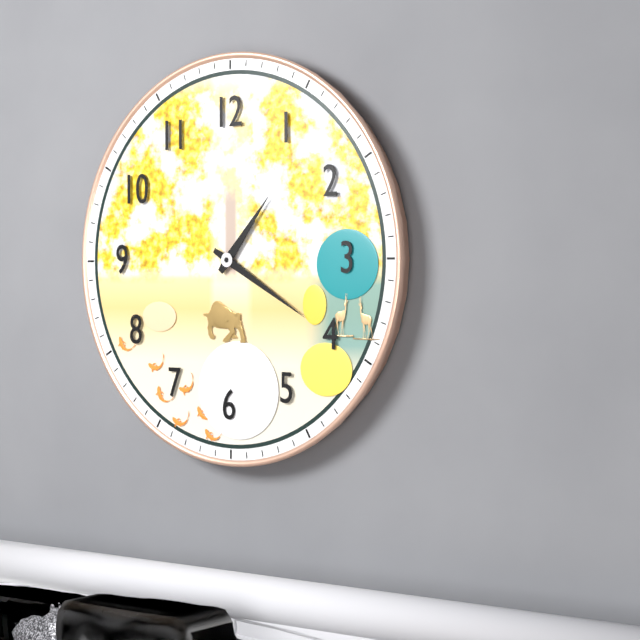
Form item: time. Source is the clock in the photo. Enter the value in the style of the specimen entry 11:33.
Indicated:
1:20
